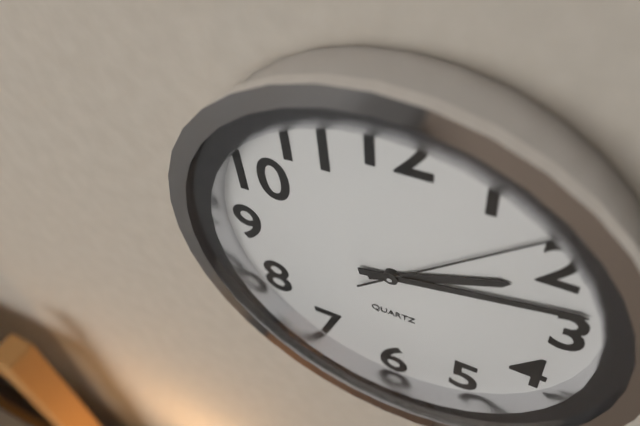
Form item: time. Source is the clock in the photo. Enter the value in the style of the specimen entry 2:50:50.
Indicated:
2:13:08
